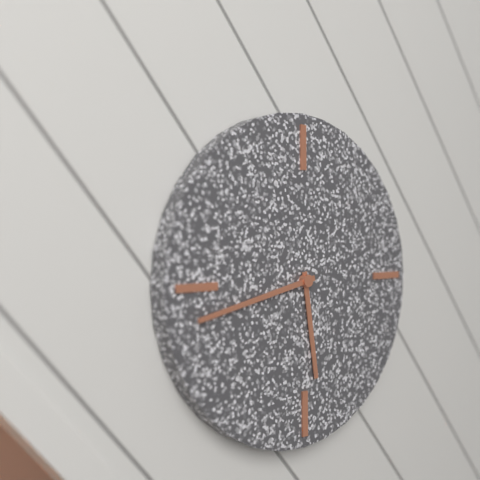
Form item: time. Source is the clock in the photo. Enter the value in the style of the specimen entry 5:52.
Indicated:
5:43
